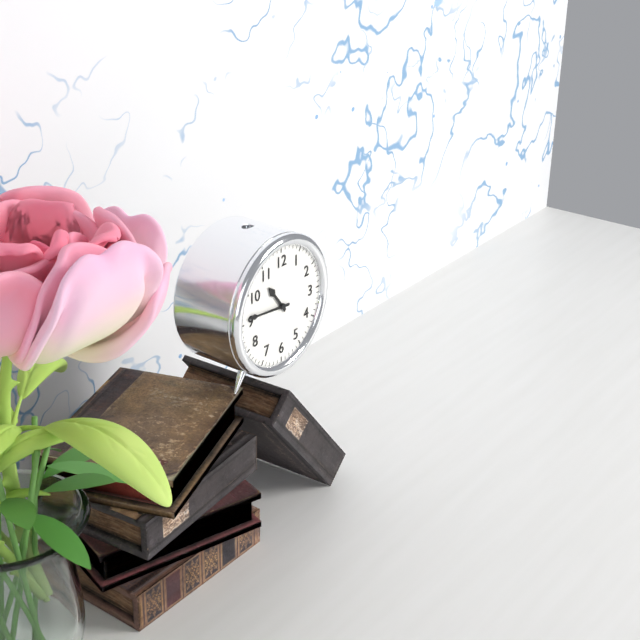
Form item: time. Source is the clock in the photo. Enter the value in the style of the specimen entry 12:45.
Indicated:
10:46
